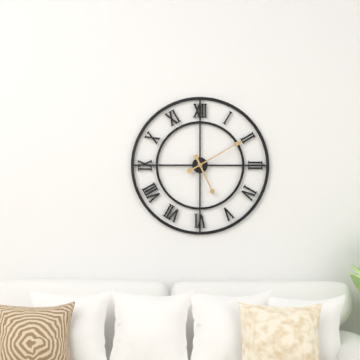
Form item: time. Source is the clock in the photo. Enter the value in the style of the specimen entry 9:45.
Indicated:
5:10
